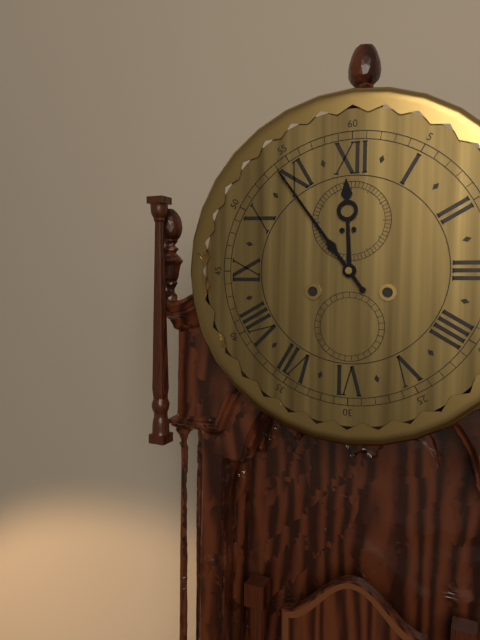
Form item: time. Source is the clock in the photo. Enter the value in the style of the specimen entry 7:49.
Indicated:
11:54
